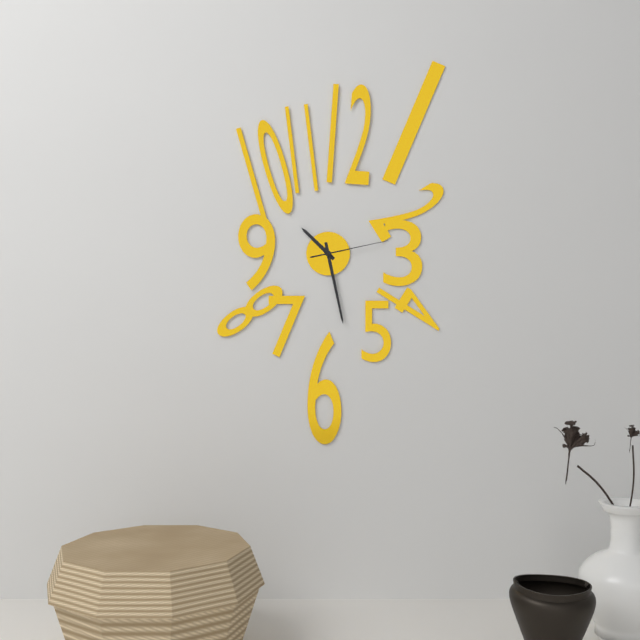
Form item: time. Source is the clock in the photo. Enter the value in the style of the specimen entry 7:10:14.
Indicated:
10:28:13
